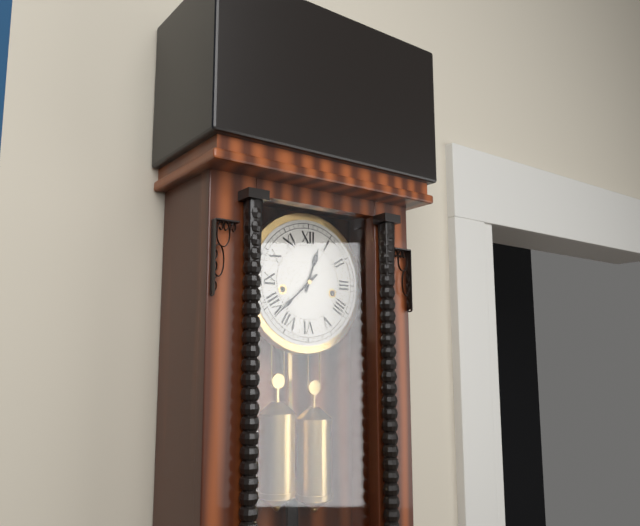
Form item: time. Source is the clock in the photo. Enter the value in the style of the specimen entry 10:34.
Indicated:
12:38
